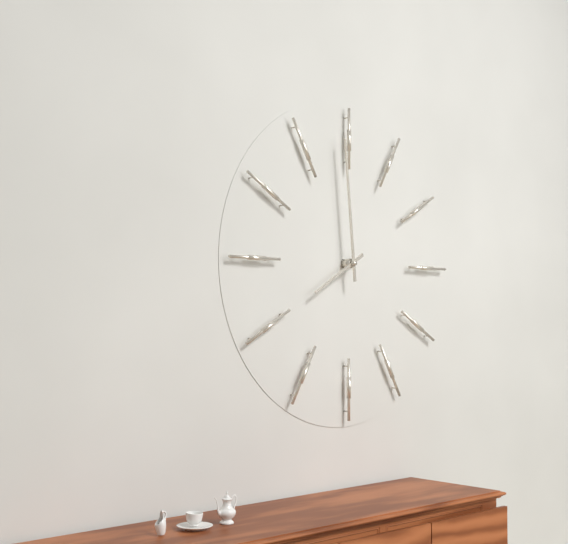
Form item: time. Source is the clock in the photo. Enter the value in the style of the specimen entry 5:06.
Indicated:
7:59
